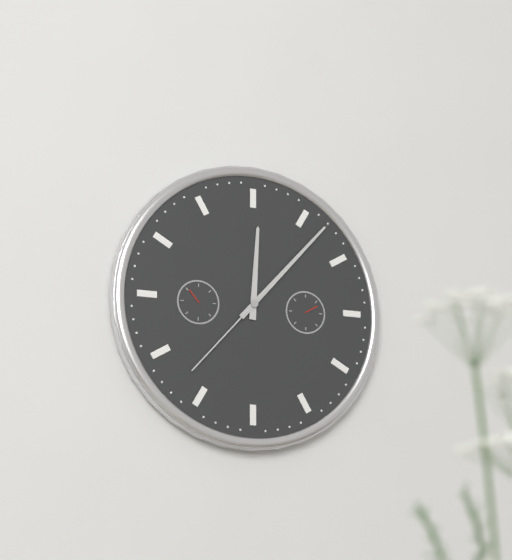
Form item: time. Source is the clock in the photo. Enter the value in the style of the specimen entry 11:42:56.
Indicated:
12:07:37
